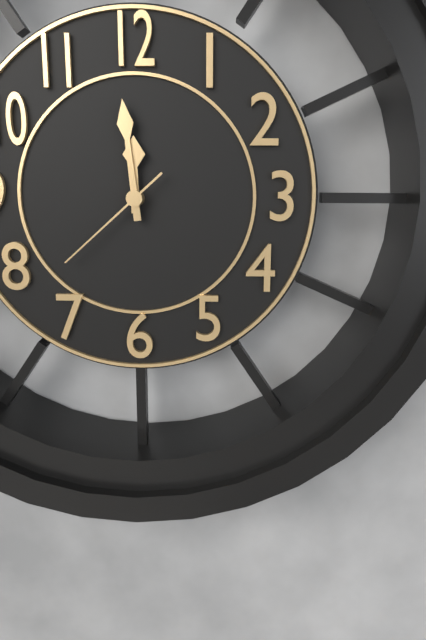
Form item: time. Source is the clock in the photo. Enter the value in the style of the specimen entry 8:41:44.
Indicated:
11:59:38
